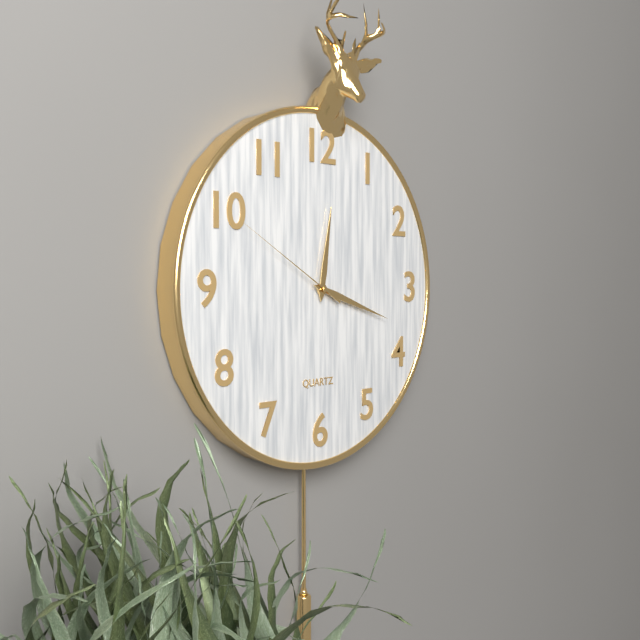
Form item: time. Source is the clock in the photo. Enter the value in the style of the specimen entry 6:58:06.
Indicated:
12:18:50
